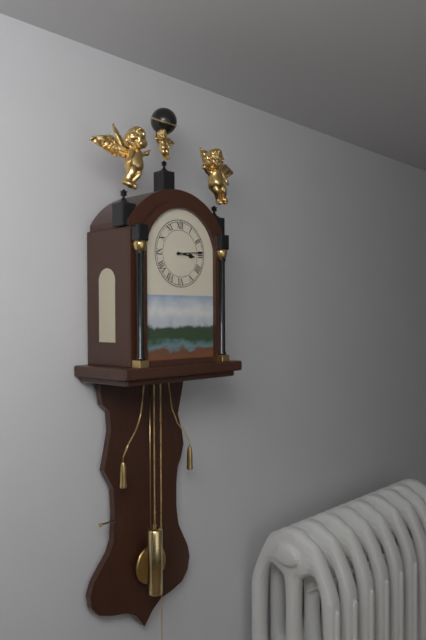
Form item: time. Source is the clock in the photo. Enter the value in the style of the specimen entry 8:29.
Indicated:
3:14
